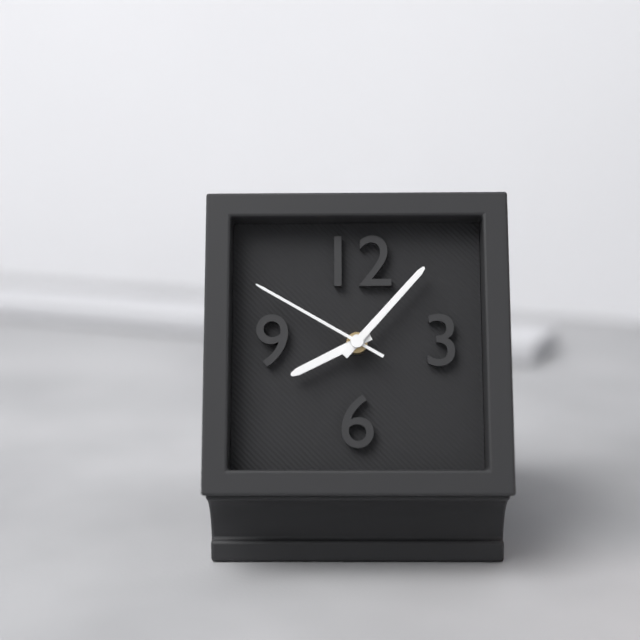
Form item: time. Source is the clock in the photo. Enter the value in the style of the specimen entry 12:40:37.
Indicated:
8:07:50
